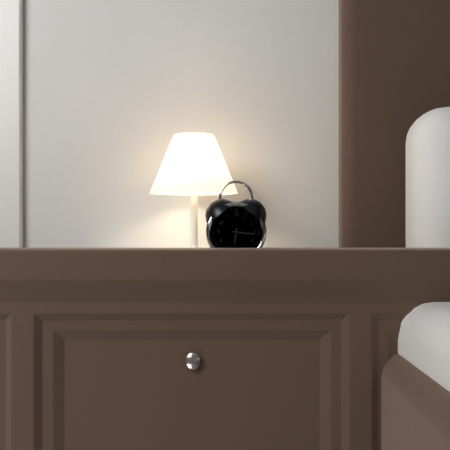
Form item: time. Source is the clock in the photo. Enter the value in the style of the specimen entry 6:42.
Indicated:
6:16
